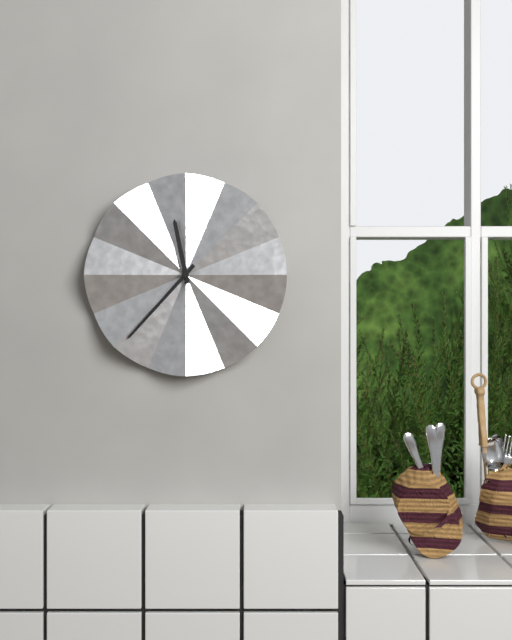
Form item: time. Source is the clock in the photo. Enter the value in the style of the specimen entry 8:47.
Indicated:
11:37
